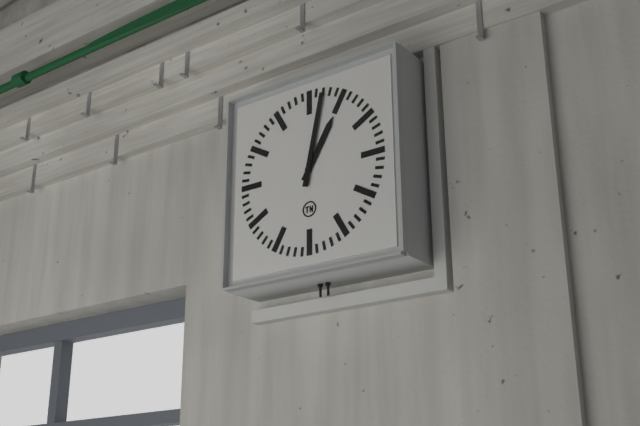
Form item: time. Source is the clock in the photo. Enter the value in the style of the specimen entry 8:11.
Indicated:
1:02
